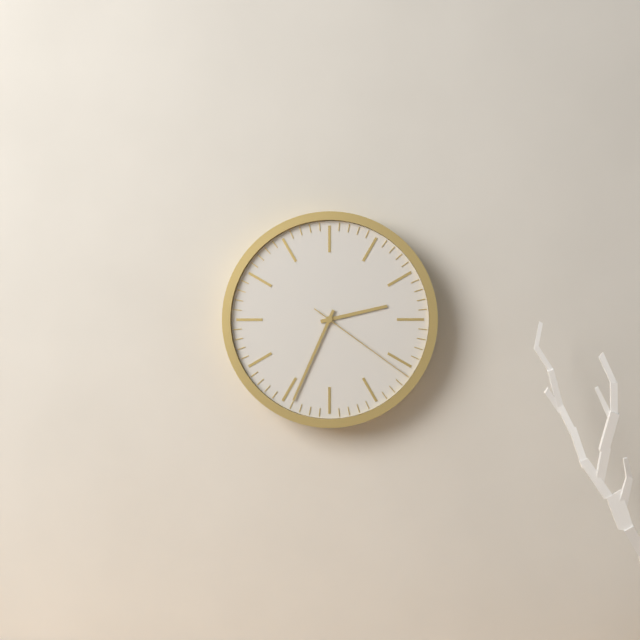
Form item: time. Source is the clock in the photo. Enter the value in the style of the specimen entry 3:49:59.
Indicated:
2:34:21
